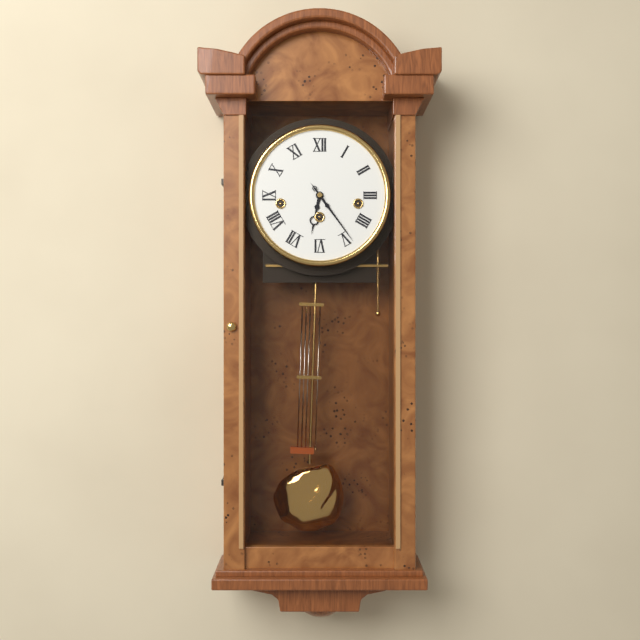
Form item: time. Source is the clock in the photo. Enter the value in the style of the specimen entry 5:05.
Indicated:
6:24
